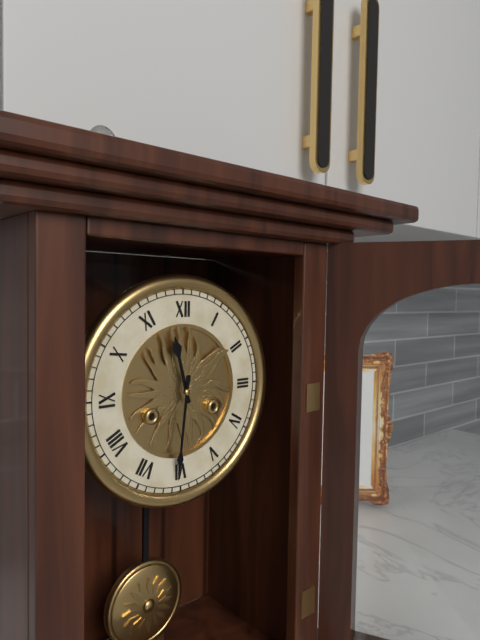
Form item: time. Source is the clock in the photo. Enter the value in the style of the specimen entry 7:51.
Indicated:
11:31
